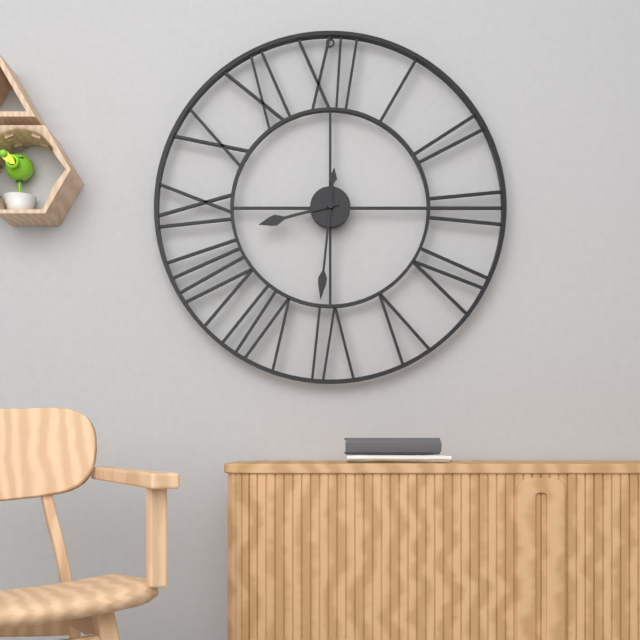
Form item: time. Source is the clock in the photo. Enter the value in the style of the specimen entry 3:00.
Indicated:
8:31
